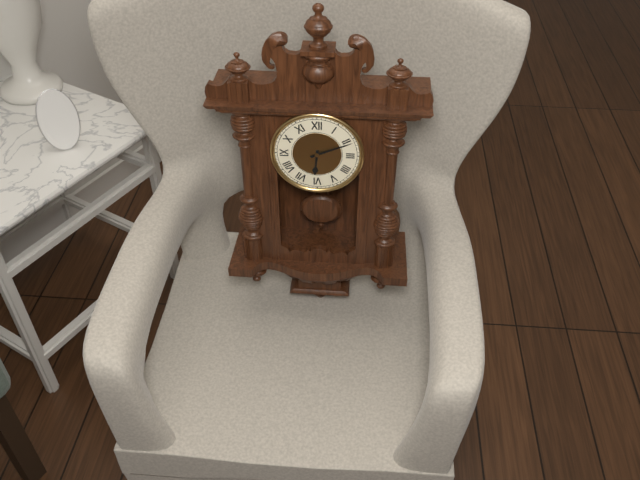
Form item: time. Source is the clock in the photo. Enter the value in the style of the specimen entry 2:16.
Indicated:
6:11
